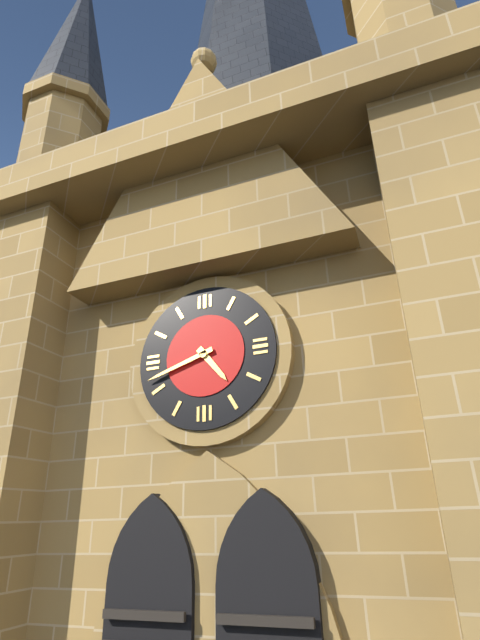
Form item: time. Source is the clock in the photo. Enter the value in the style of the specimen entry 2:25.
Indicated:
4:42
